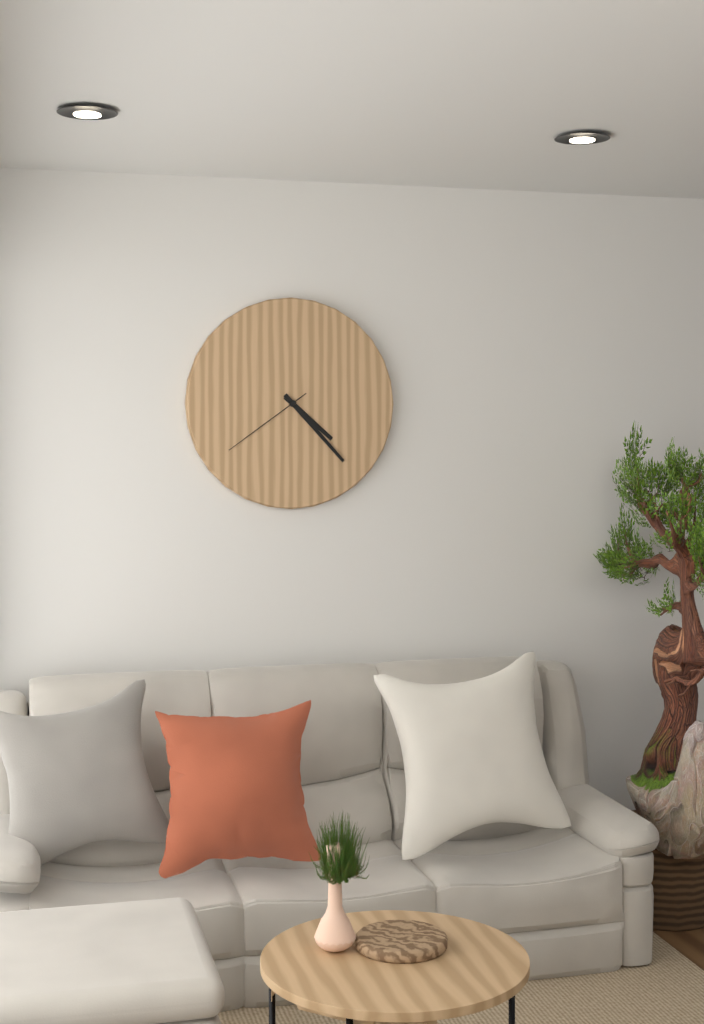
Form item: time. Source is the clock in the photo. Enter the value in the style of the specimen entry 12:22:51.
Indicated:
4:23:39
